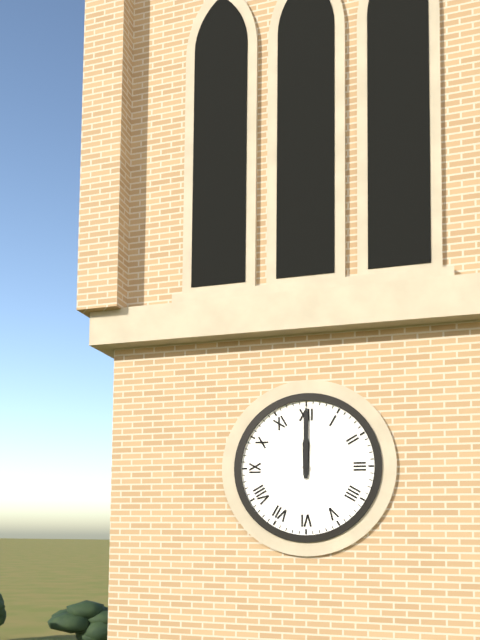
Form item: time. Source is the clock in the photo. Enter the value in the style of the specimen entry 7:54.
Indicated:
12:00
